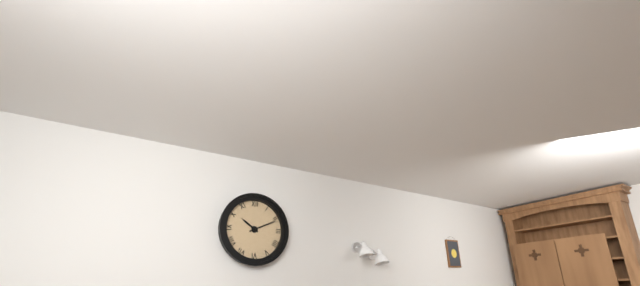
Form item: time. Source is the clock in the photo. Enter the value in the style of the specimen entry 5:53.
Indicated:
10:11
